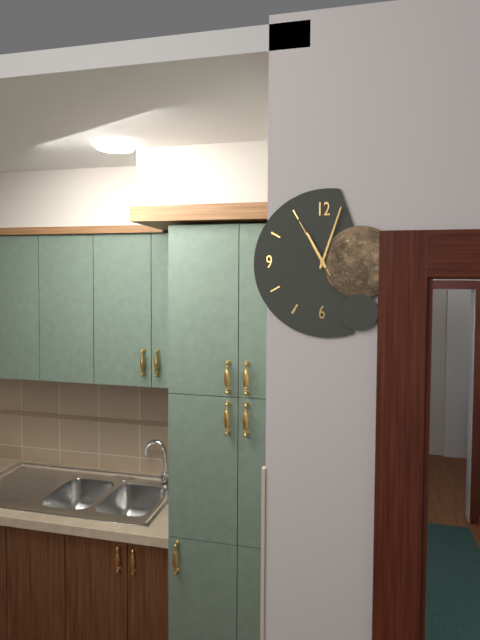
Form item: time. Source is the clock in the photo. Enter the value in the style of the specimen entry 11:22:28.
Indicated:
11:03:55
